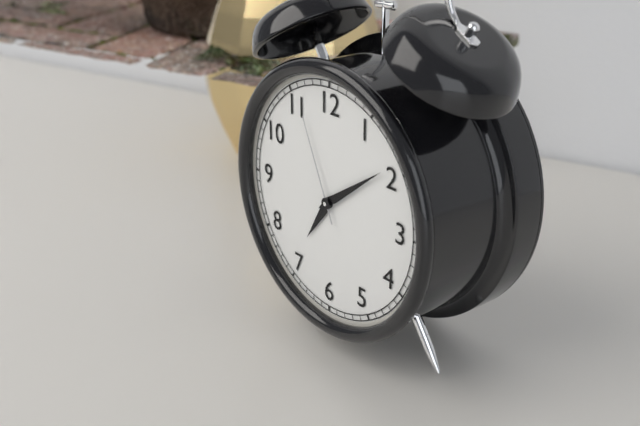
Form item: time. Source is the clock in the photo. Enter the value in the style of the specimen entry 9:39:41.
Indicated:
7:09:56
